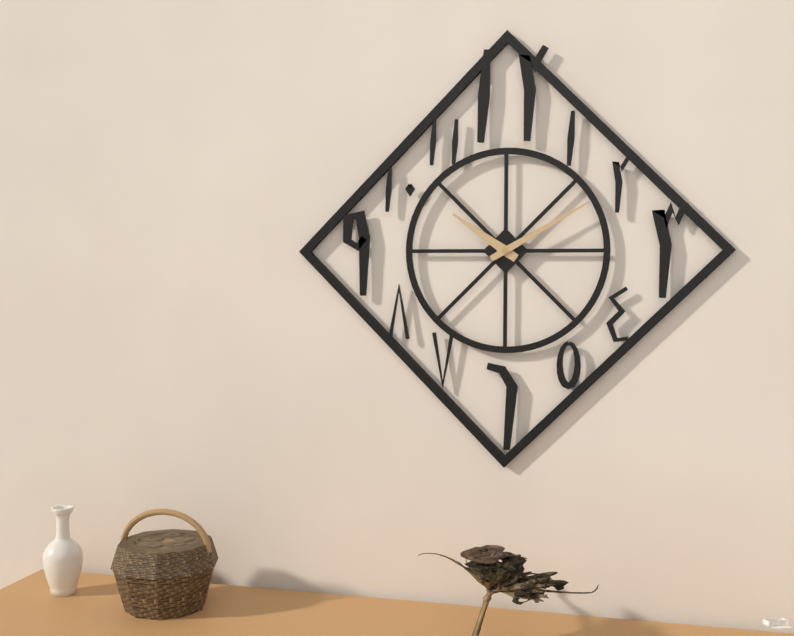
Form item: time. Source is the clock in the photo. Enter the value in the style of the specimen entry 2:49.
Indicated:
10:10
